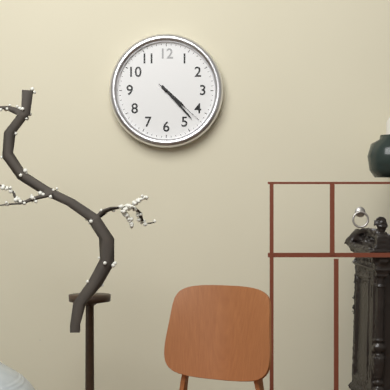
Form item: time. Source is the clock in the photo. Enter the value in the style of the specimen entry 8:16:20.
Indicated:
4:23:22
